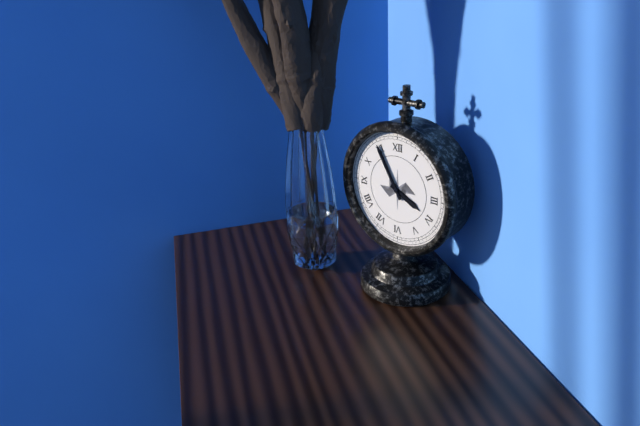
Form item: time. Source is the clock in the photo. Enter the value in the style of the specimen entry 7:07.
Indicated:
3:55
